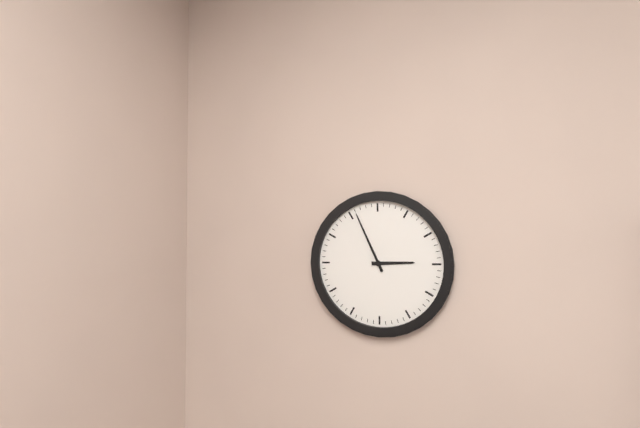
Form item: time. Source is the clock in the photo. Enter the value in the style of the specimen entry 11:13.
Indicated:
2:56
